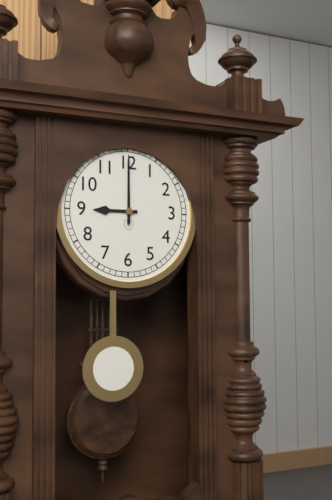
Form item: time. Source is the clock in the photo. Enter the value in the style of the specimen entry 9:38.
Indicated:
9:00
